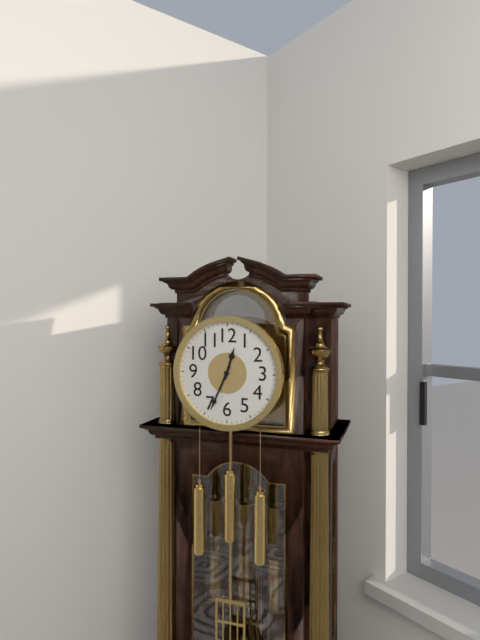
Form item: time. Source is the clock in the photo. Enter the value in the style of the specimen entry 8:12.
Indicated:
12:34
